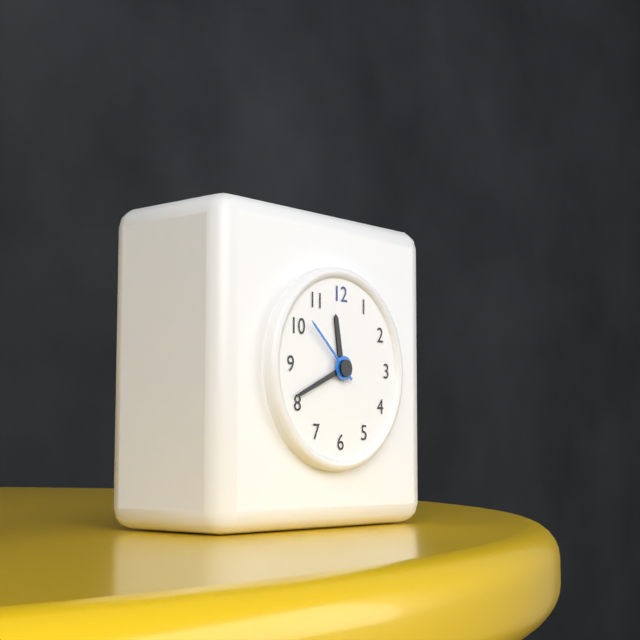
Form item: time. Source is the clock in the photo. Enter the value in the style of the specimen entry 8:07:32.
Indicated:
11:41:52
